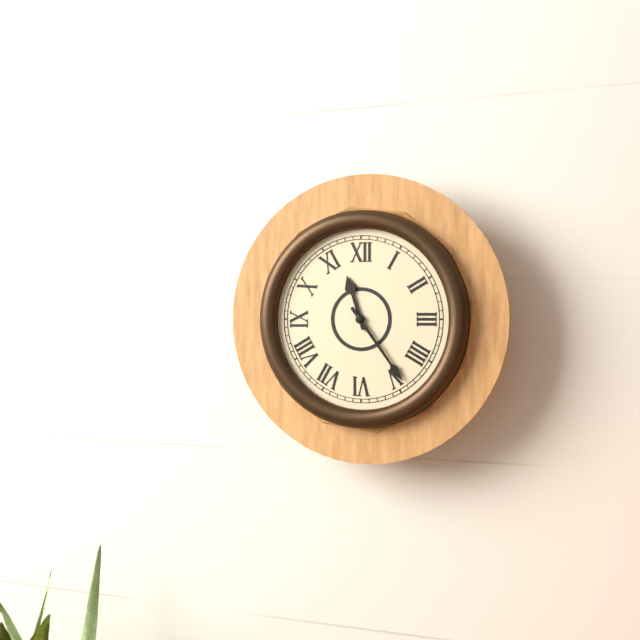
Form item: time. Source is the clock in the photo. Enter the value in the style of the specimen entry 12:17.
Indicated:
11:24
